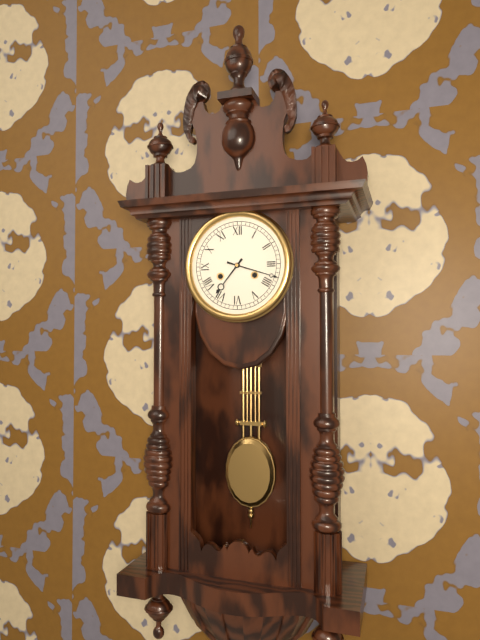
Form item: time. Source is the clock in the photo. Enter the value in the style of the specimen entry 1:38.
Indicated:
7:18
